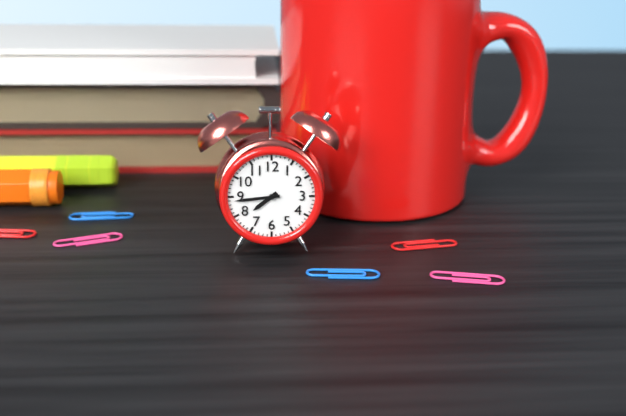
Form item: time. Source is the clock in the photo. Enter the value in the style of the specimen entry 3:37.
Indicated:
7:44
